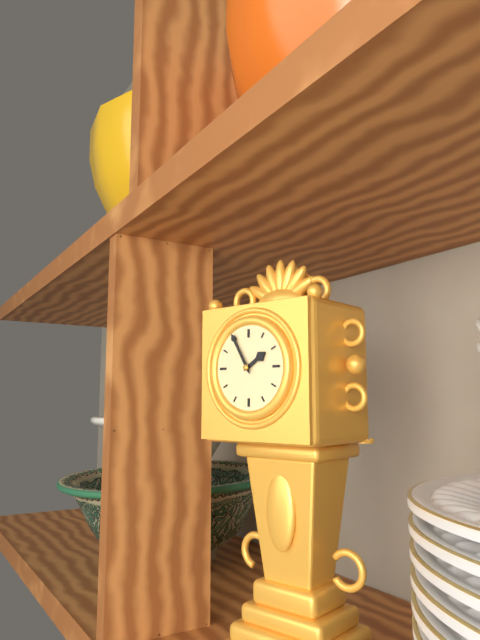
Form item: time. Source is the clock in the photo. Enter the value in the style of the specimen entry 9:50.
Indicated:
1:55
